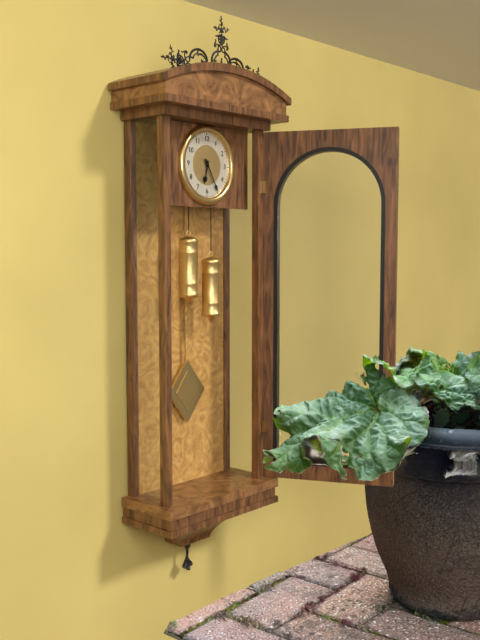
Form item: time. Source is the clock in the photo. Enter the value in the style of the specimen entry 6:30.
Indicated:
6:25
